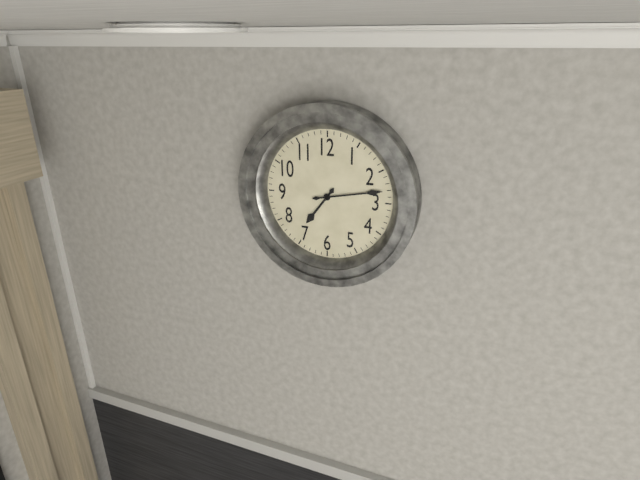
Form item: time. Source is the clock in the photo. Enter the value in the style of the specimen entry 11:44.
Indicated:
7:13
